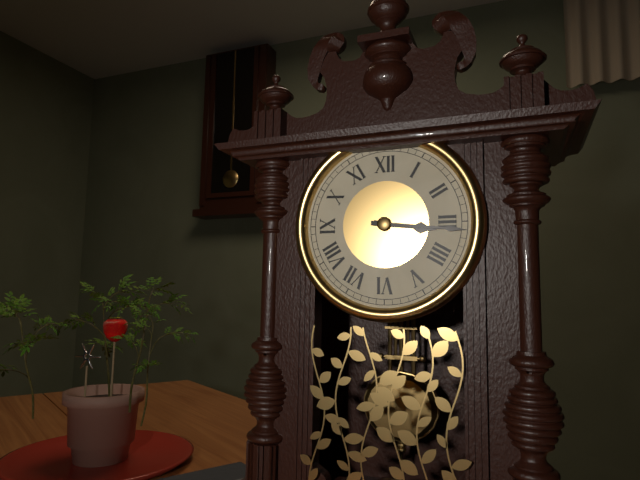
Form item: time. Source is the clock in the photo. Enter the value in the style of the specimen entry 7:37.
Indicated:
3:16
